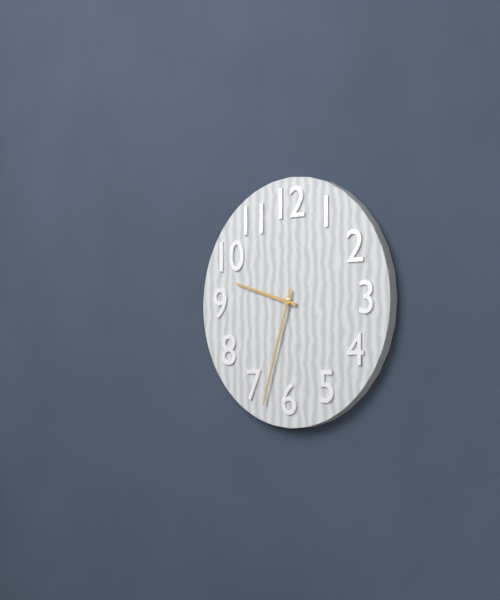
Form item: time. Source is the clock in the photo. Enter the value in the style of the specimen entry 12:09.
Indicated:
9:33
